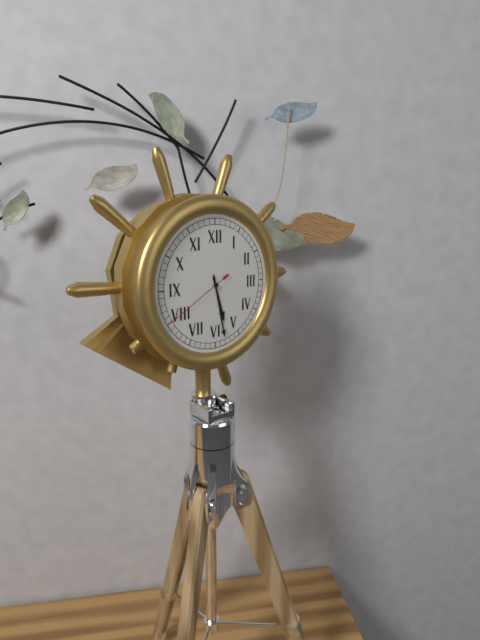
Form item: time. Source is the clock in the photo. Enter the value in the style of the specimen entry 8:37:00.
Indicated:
5:28:40
